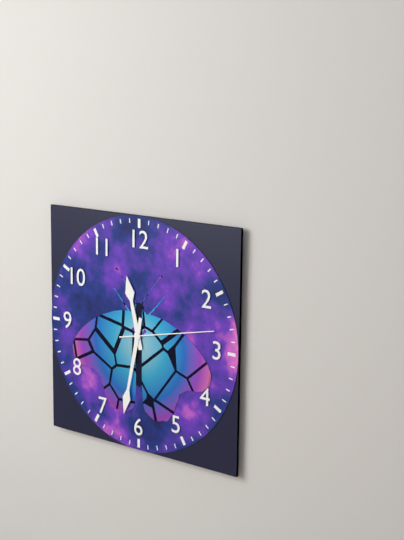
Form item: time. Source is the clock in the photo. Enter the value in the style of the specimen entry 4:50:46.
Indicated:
11:32:13
